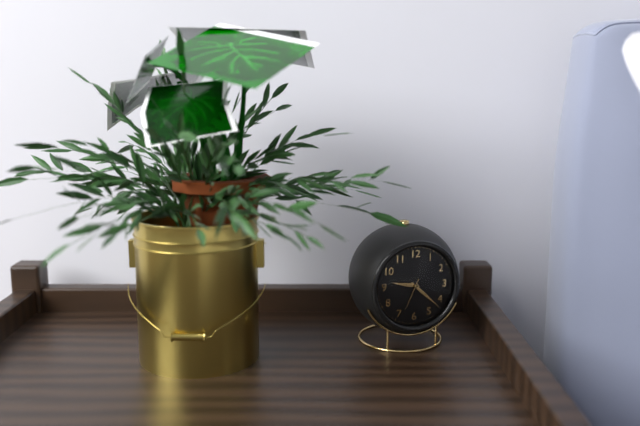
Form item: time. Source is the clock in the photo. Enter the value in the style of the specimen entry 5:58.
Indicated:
9:22
